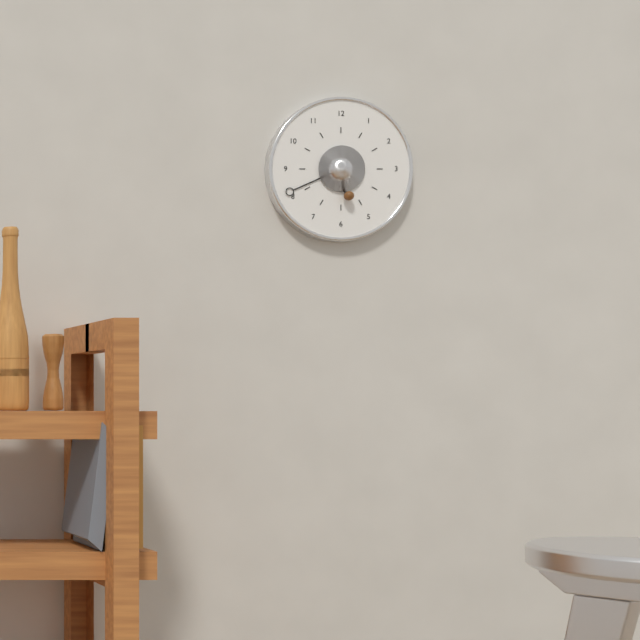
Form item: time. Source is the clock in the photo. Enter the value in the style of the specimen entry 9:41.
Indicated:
5:41
